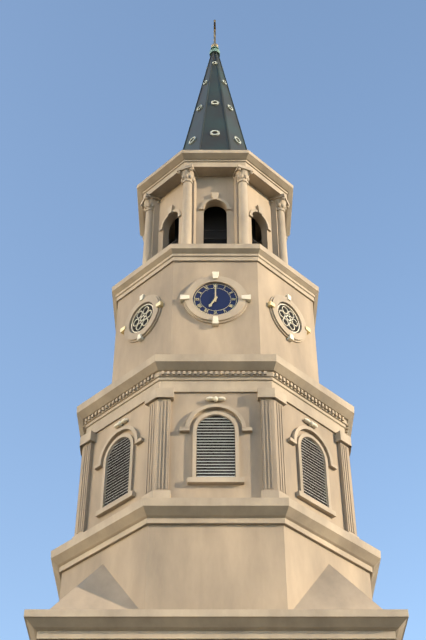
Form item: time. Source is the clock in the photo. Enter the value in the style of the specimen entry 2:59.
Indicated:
7:00
